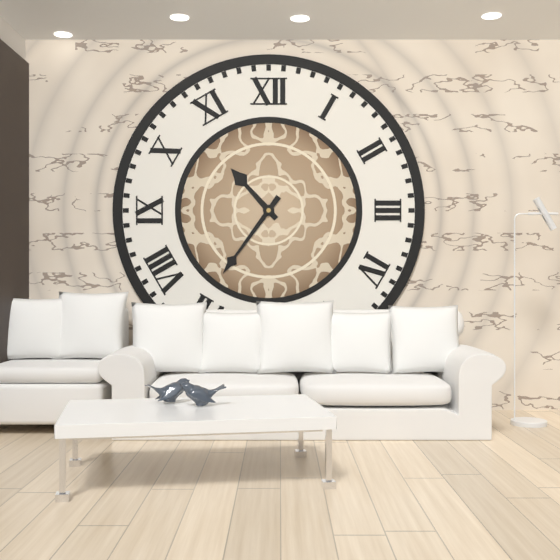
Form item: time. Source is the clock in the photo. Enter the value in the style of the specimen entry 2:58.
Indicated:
10:36
